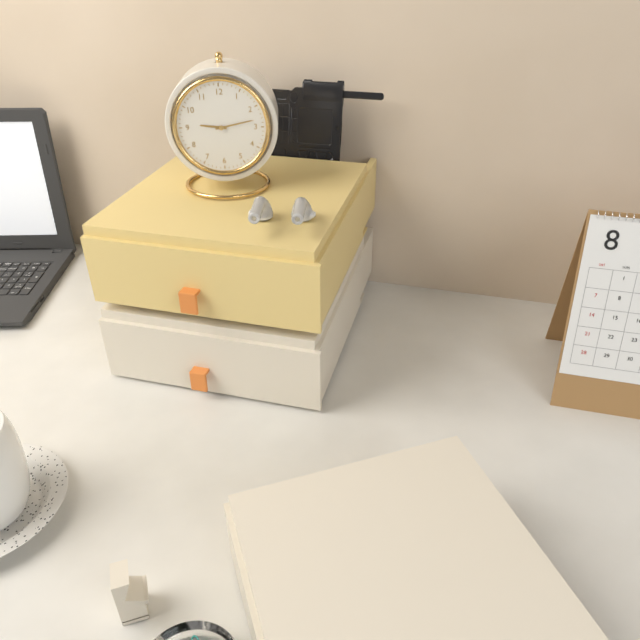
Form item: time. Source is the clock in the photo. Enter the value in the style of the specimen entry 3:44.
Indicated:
9:13
